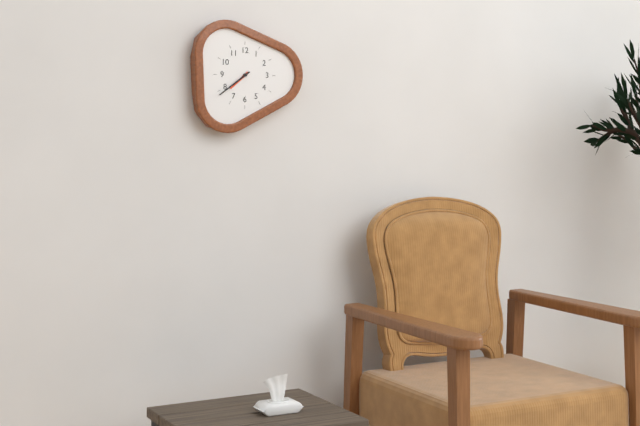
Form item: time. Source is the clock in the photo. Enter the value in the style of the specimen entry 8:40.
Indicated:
7:39
